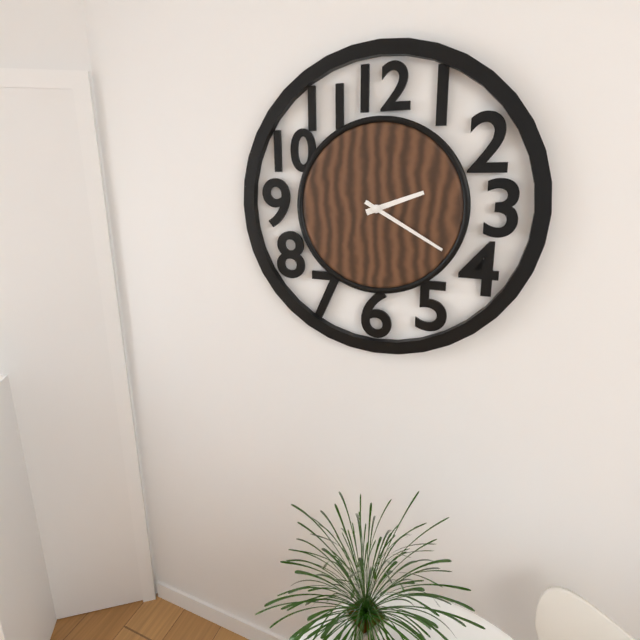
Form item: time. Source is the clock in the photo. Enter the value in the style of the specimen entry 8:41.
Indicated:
2:20
